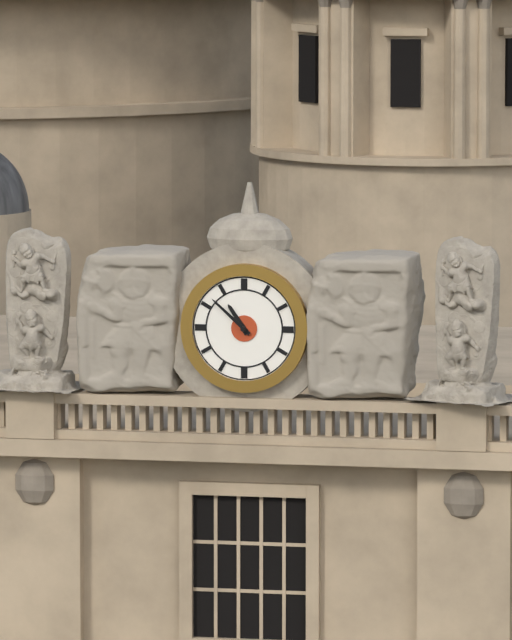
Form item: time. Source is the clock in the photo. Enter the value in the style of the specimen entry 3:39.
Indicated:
10:52
